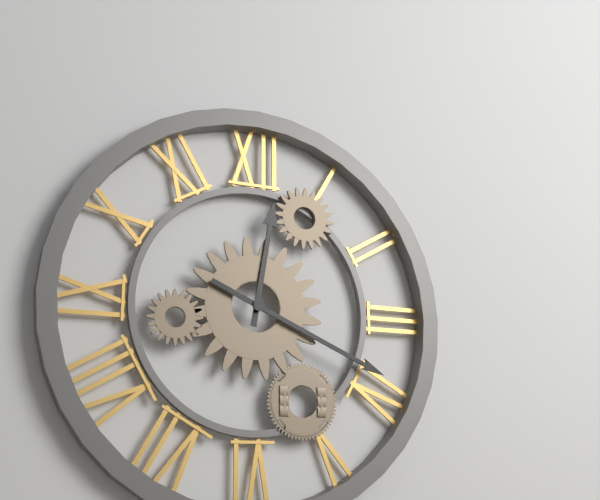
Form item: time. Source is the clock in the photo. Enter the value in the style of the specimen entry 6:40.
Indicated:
12:19
